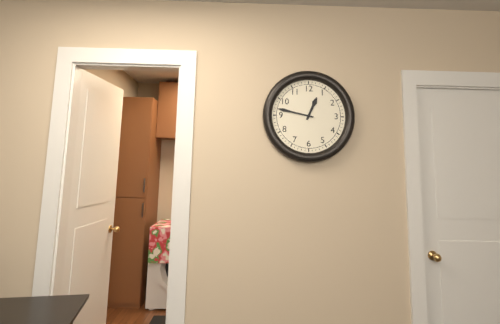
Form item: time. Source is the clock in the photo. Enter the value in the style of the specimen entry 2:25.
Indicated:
12:47
